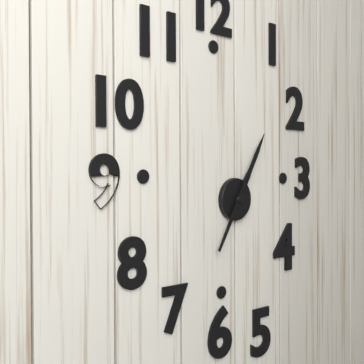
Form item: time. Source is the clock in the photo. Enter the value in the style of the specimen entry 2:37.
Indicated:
1:05
